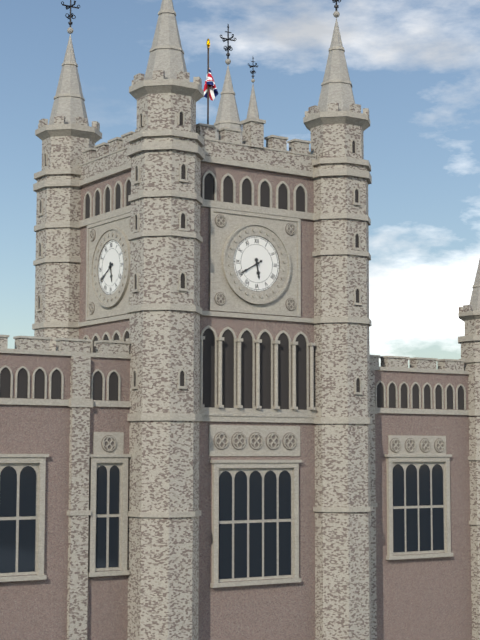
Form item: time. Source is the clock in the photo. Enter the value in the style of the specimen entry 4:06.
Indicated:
5:40
